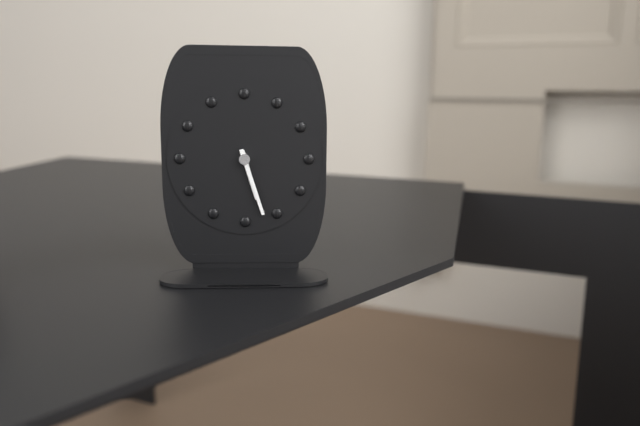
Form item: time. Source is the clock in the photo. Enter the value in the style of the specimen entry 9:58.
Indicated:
5:27
